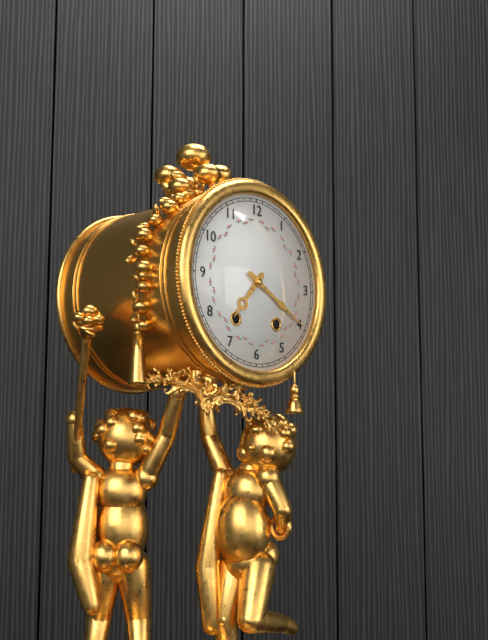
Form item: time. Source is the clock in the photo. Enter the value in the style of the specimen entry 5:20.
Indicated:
7:20
